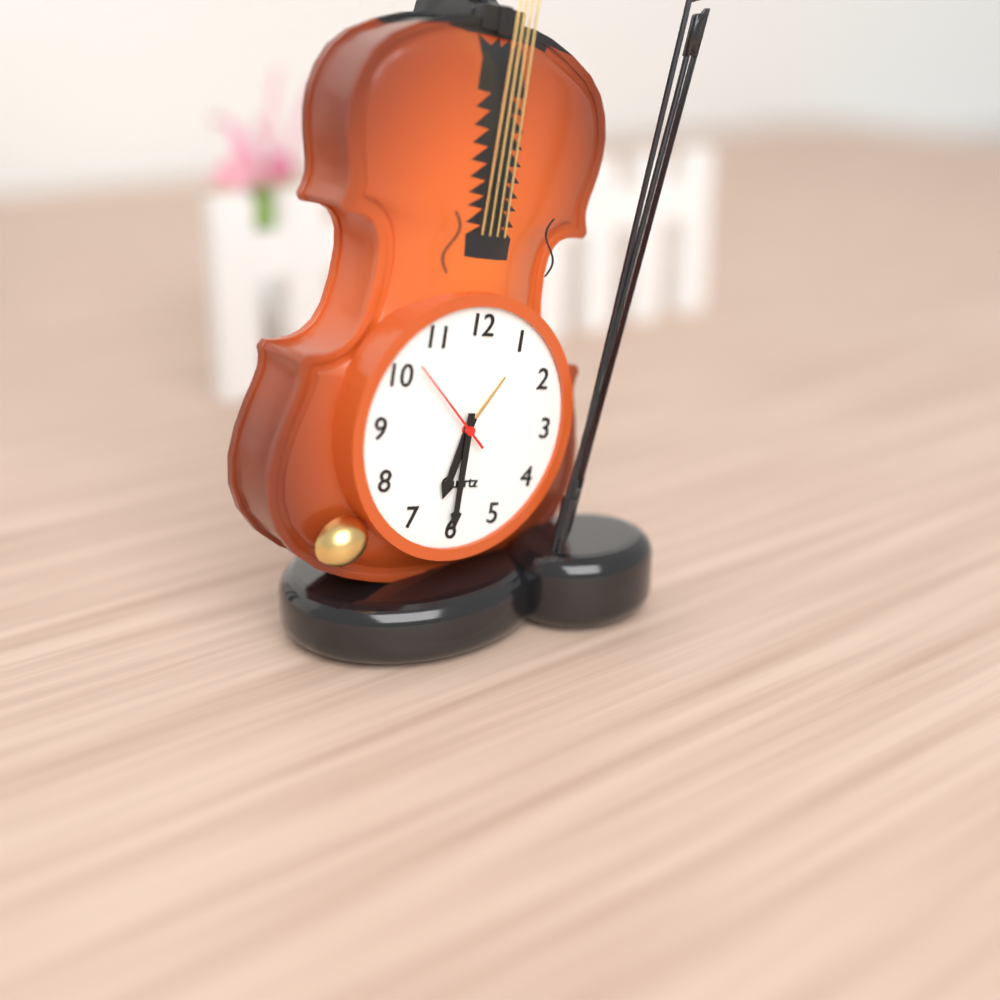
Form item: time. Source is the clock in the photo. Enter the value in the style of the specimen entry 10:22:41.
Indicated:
6:30:52
